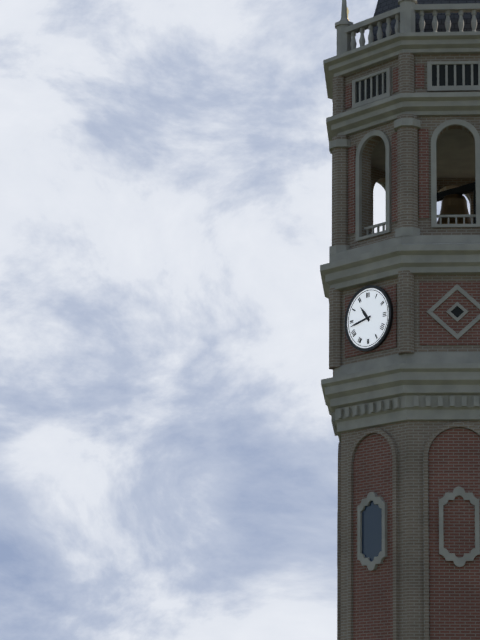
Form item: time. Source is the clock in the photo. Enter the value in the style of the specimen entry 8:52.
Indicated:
10:43
